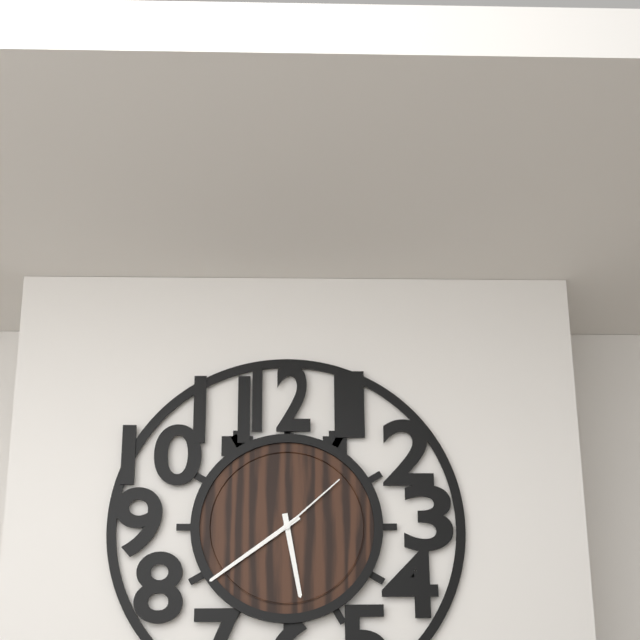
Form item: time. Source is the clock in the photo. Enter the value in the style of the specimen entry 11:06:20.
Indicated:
5:39:08
